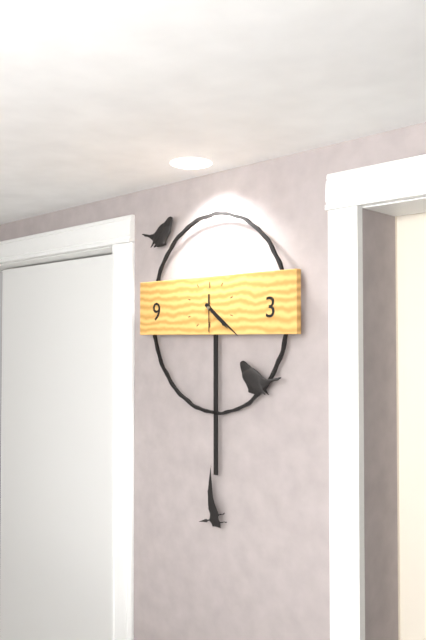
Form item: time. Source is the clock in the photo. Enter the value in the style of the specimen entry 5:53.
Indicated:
4:21
